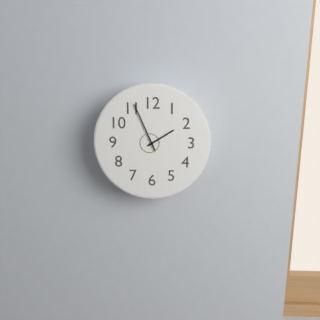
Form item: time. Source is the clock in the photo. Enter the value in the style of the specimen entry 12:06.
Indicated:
1:56
